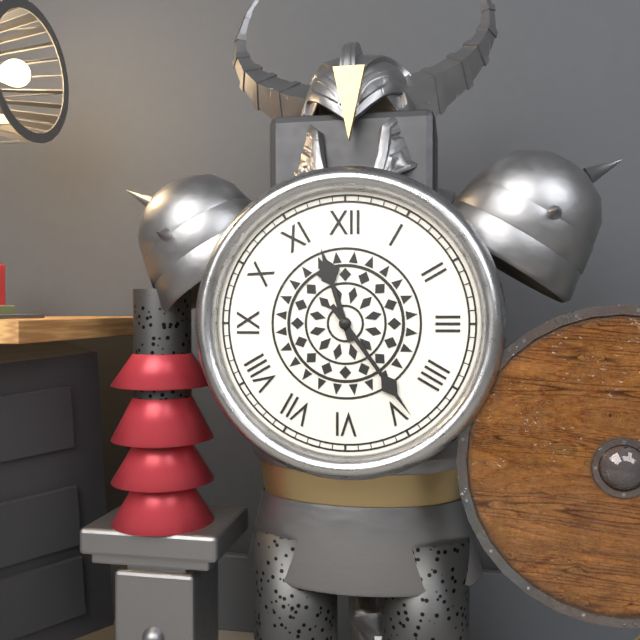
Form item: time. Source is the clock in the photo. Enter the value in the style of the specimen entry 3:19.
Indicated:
11:24
